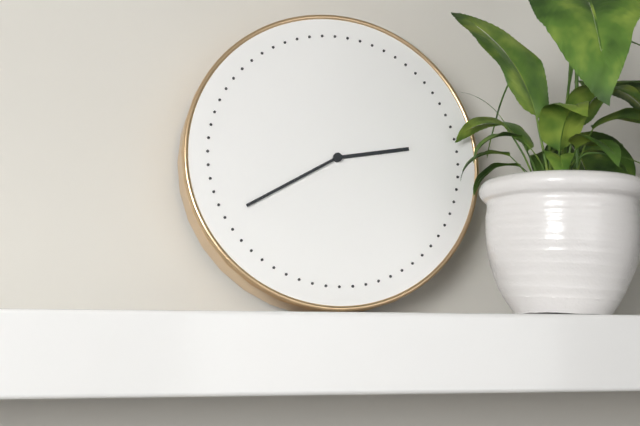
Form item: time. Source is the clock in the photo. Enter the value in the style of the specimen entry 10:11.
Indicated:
2:40
